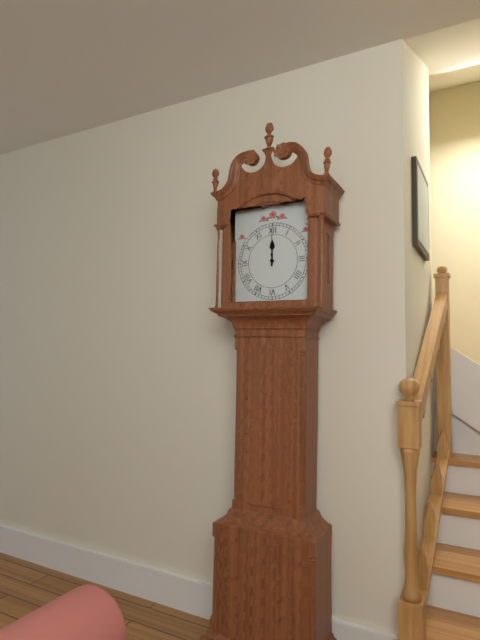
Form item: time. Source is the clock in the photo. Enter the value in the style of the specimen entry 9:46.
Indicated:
12:00
